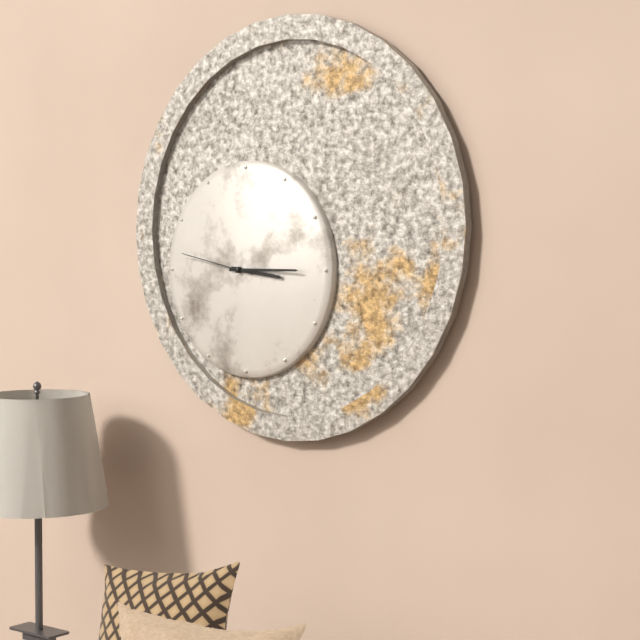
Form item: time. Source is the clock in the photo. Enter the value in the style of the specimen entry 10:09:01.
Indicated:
3:15:47
